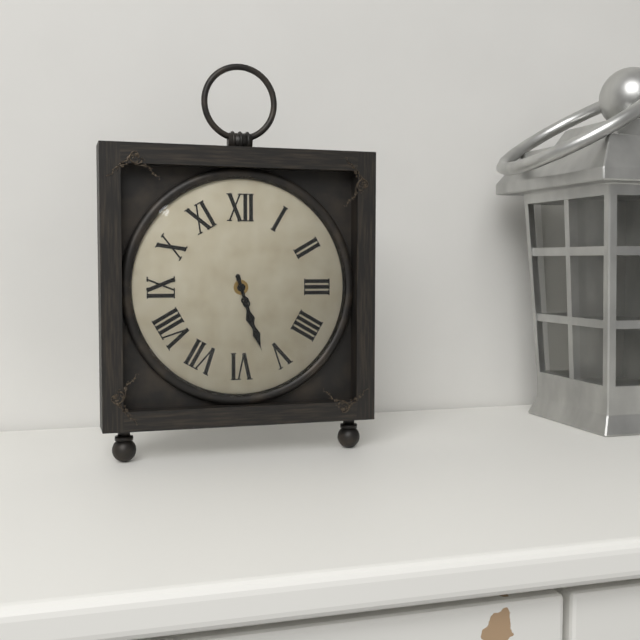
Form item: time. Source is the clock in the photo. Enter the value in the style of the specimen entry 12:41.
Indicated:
5:27
